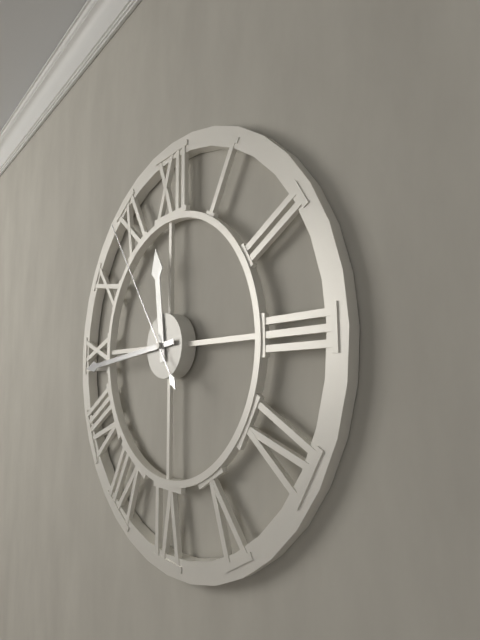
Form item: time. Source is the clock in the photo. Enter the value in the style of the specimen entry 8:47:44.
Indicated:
11:44:54
